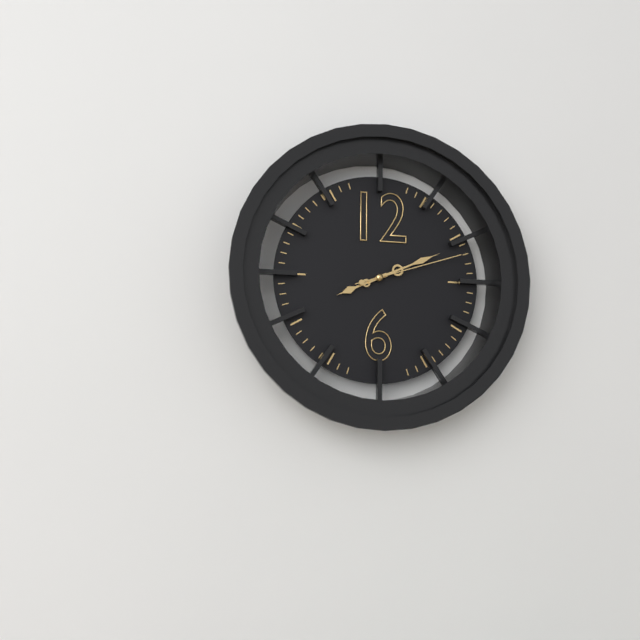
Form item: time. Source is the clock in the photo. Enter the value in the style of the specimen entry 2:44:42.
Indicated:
8:11:12
